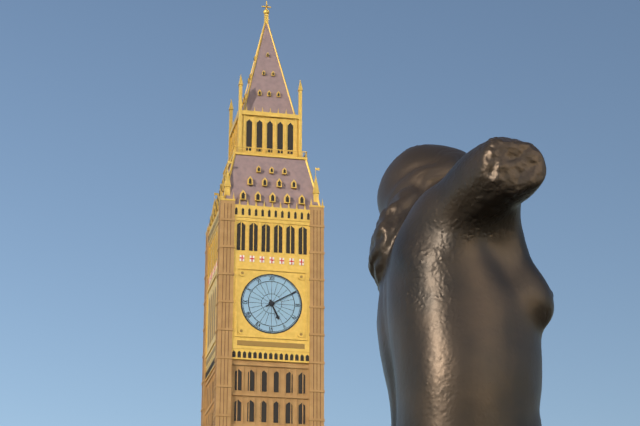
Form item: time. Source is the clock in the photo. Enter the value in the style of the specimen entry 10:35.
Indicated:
5:10
